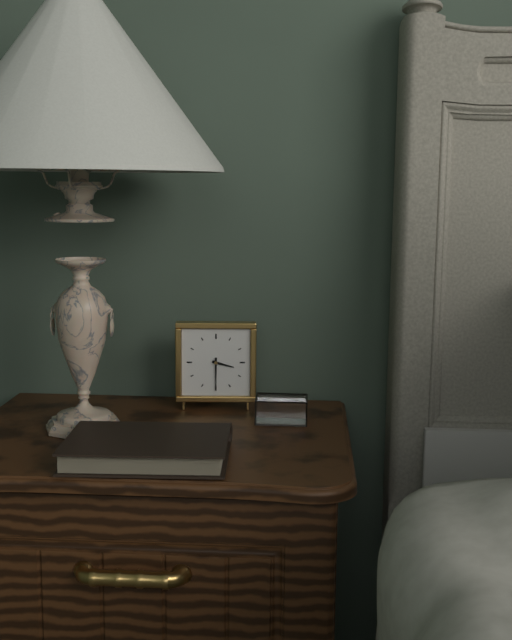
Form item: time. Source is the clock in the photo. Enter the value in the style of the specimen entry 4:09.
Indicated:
3:30
